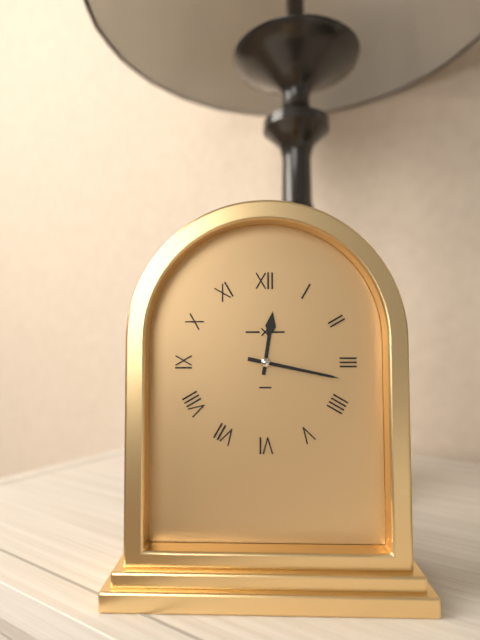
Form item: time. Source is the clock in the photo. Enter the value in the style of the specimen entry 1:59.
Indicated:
12:17
